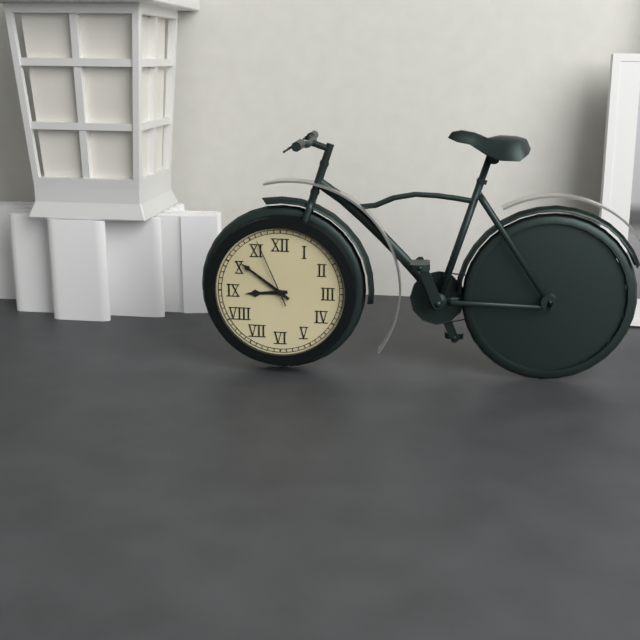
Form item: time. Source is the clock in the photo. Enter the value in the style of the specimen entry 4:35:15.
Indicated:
8:51:56
